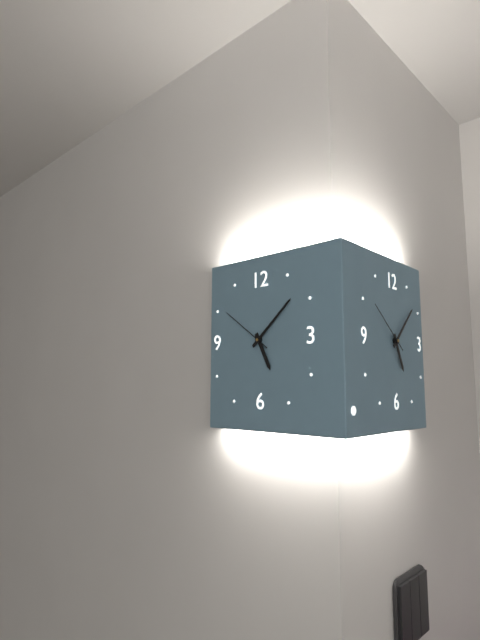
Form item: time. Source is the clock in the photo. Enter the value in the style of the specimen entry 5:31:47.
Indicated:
5:08:51
